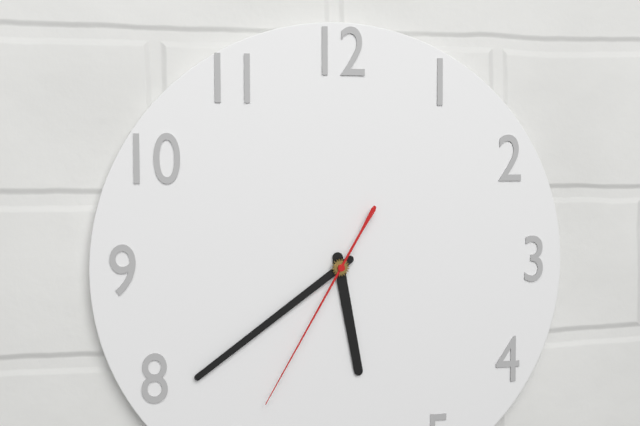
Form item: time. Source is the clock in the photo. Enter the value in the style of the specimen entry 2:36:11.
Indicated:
5:39:35
